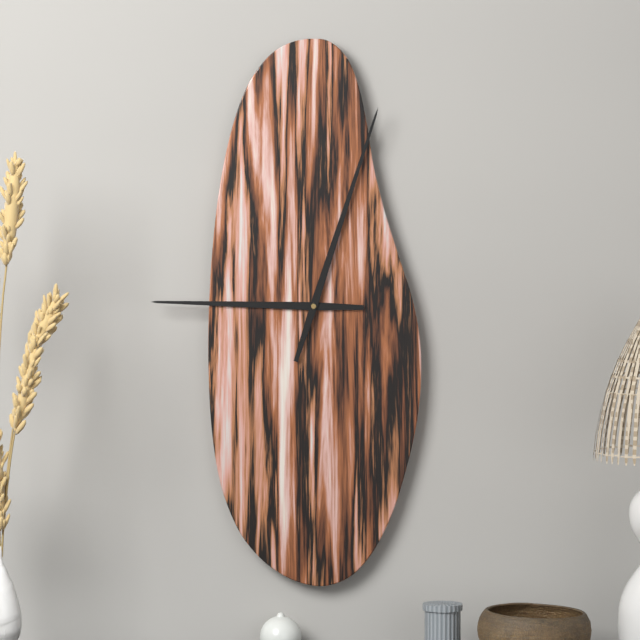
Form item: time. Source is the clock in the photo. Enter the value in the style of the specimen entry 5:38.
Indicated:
9:03
